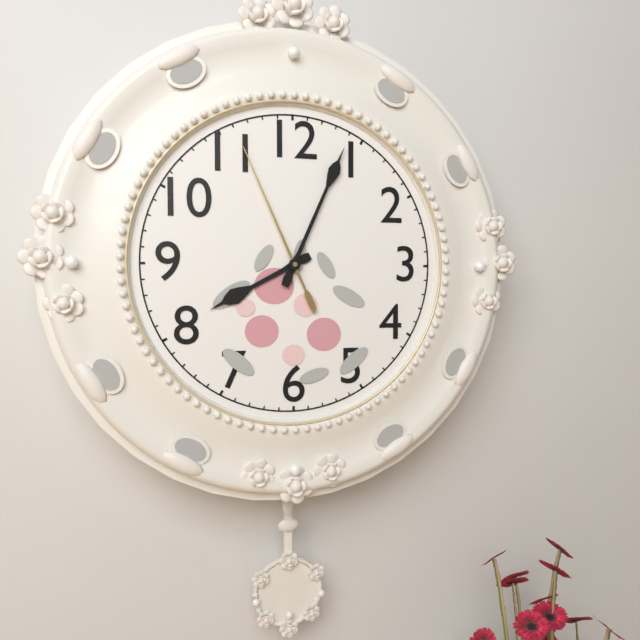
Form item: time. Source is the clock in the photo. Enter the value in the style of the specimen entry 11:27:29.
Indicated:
8:04:56
